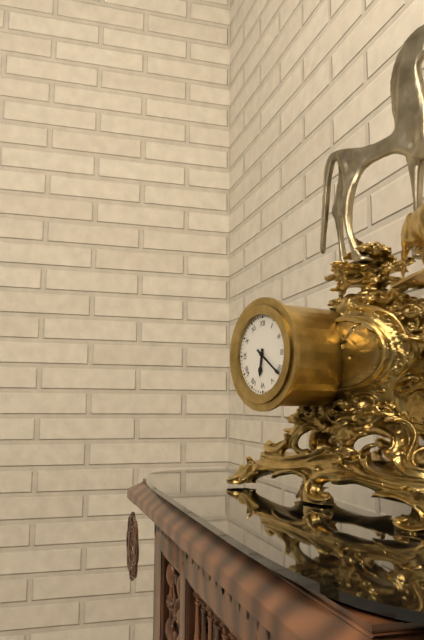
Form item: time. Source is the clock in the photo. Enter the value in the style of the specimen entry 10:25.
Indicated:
6:21
